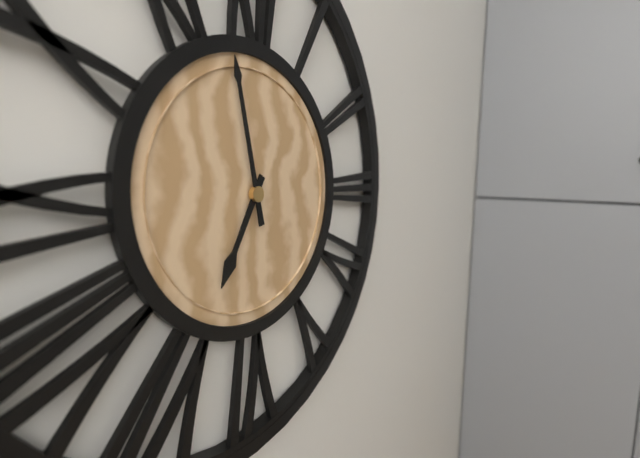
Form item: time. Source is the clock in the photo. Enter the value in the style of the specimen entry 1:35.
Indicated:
6:58
